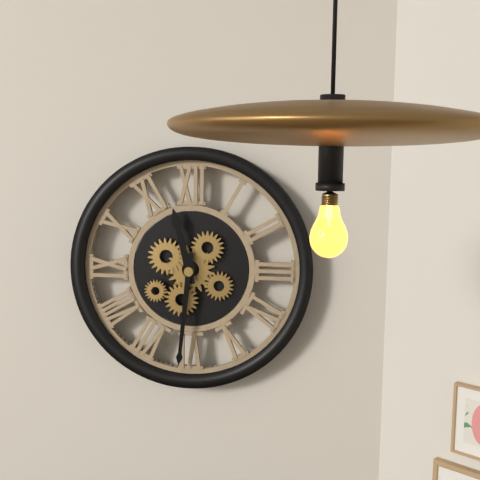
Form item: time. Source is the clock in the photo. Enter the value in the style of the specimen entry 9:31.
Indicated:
11:31
